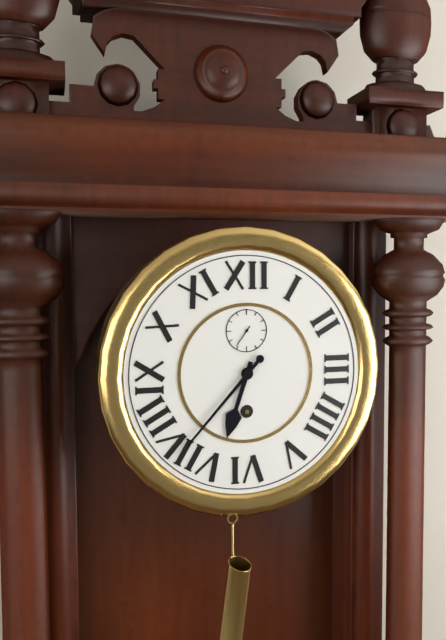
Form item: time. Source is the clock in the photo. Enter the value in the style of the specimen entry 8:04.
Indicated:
6:37
